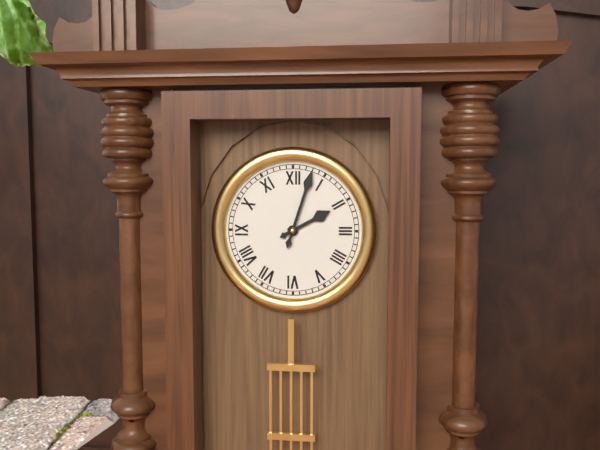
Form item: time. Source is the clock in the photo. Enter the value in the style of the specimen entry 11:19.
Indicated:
2:03
